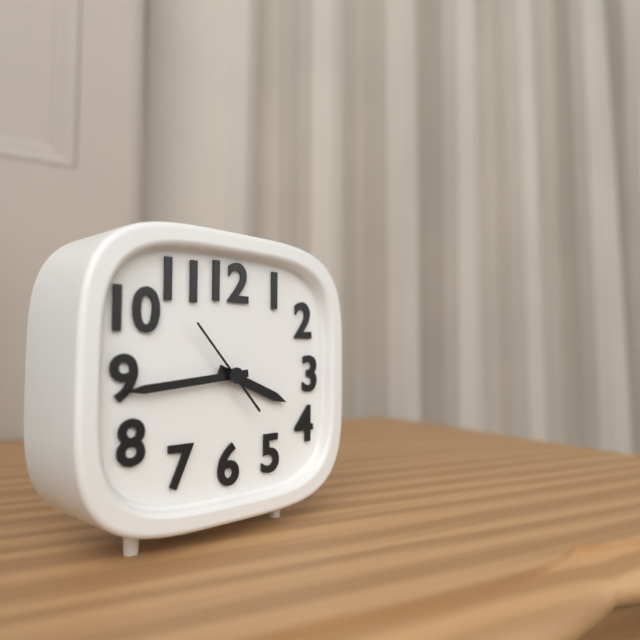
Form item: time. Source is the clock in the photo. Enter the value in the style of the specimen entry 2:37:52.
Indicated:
3:44:53
